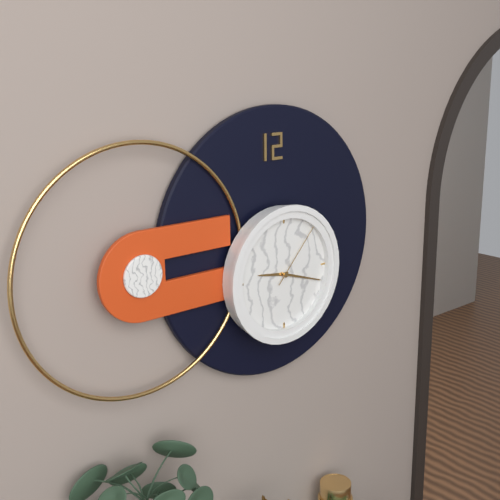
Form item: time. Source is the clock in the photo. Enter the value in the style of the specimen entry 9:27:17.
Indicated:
9:18:07
